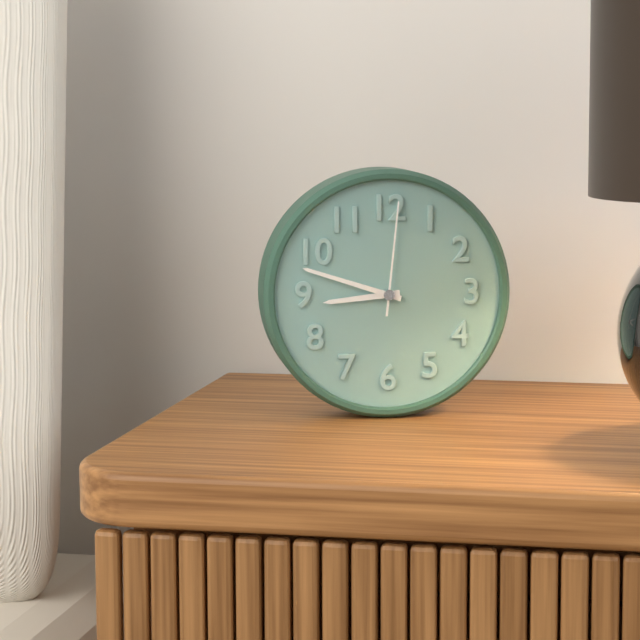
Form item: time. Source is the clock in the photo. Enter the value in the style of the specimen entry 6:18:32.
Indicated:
8:48:01
